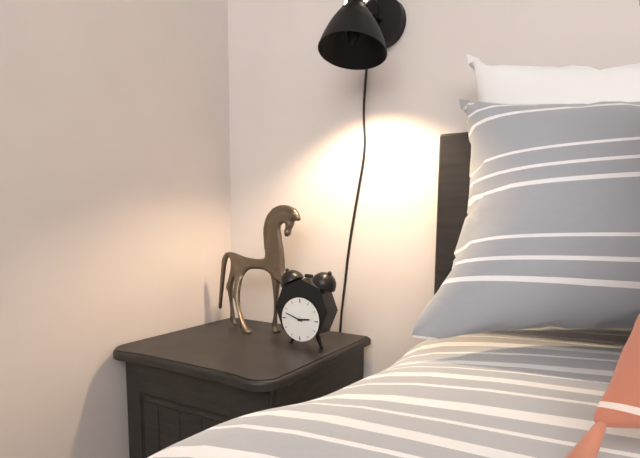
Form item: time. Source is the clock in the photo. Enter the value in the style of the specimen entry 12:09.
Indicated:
2:48
